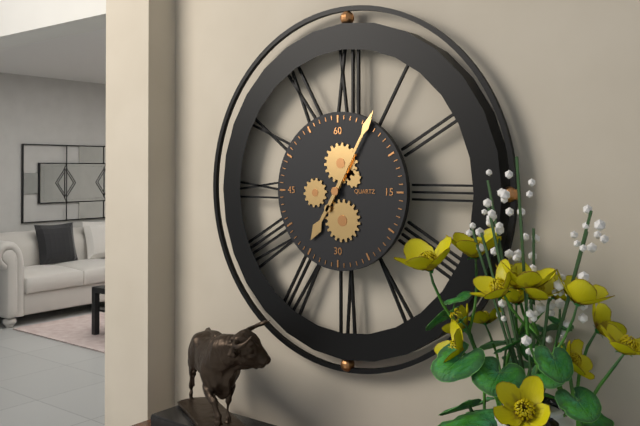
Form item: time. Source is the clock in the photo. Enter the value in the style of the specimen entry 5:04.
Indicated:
7:05
